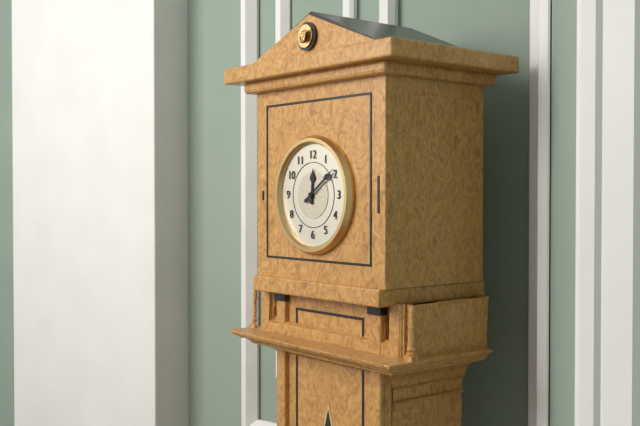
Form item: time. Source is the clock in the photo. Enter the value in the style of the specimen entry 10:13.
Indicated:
12:09
